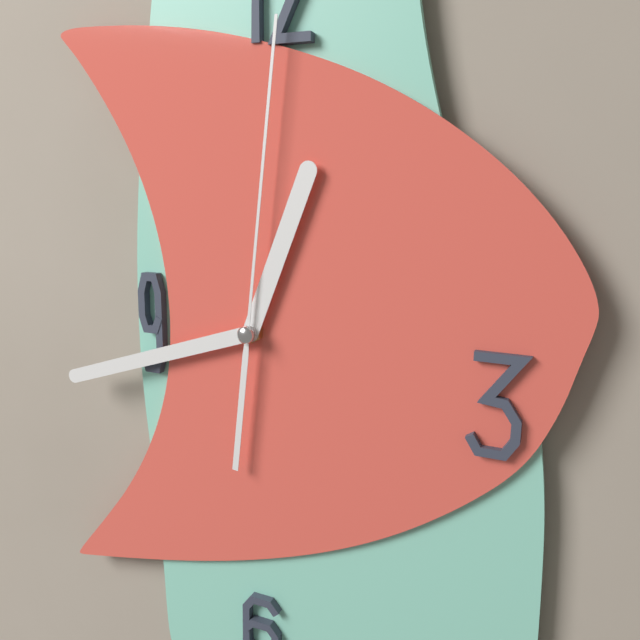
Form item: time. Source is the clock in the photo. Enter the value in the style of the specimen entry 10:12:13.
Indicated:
12:42:01
